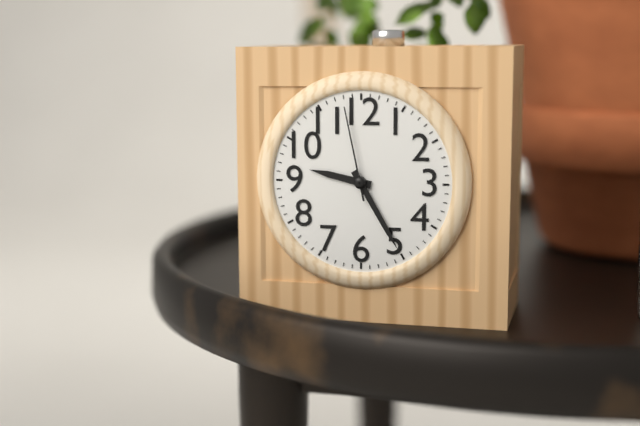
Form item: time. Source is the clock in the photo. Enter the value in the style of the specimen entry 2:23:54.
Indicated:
9:25:58
